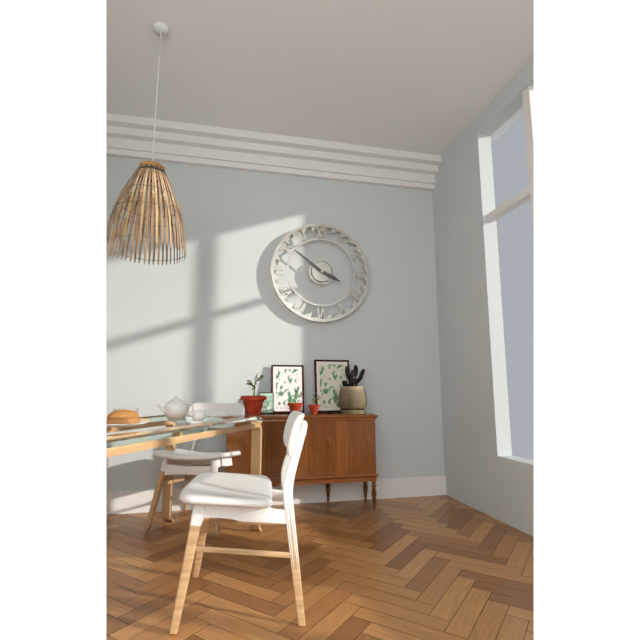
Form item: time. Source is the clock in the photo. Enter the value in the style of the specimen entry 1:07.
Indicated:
3:51
